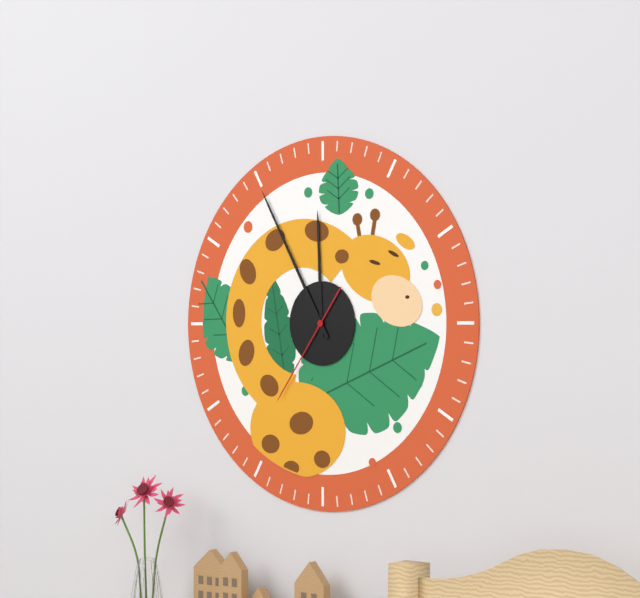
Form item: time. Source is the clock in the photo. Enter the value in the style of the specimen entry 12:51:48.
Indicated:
11:55:36
